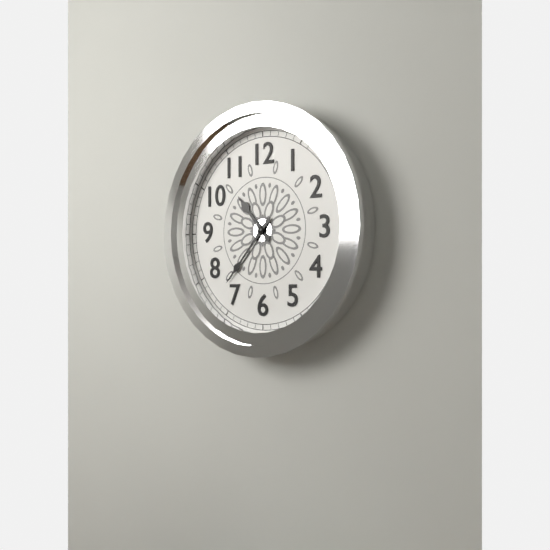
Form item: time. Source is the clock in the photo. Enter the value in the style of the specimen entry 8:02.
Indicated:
10:37
